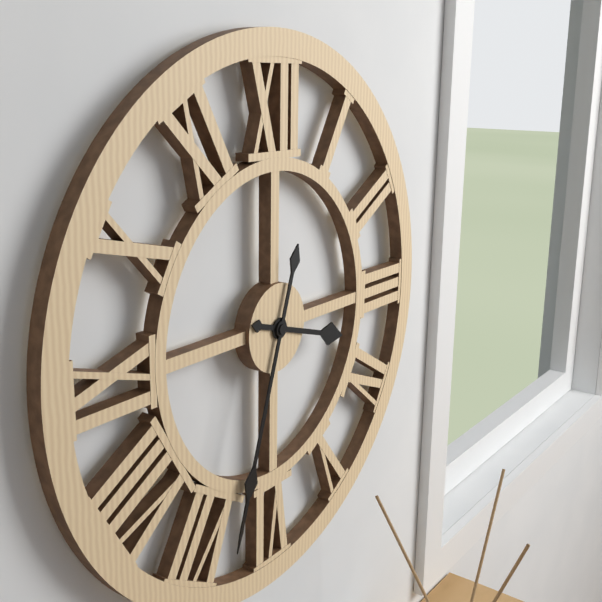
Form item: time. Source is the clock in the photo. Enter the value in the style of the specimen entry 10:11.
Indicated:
3:33
